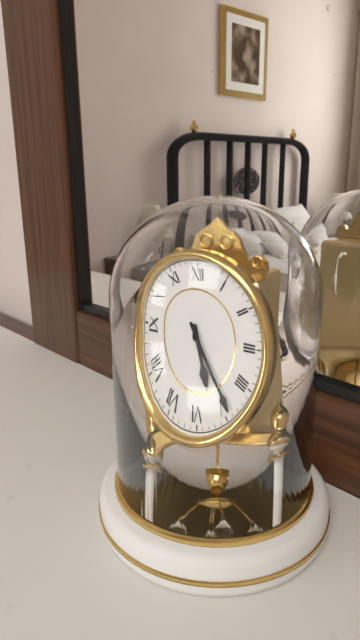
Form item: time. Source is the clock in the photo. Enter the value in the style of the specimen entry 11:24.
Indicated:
5:24
